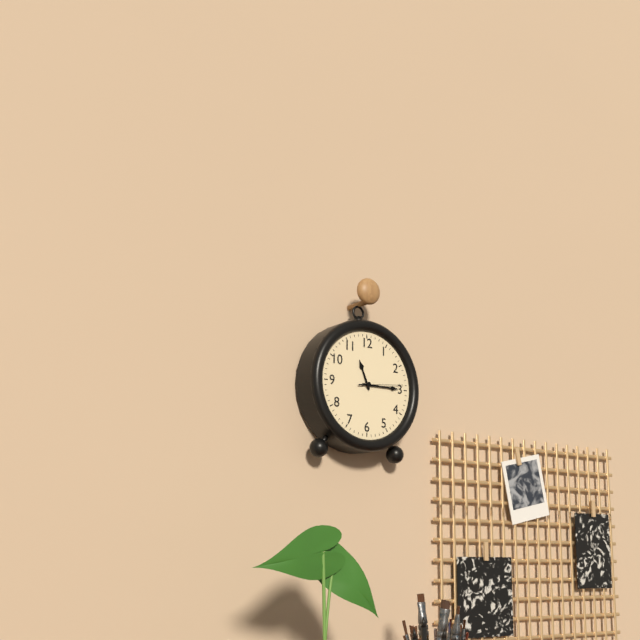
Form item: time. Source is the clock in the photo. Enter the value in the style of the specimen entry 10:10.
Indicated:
11:15
